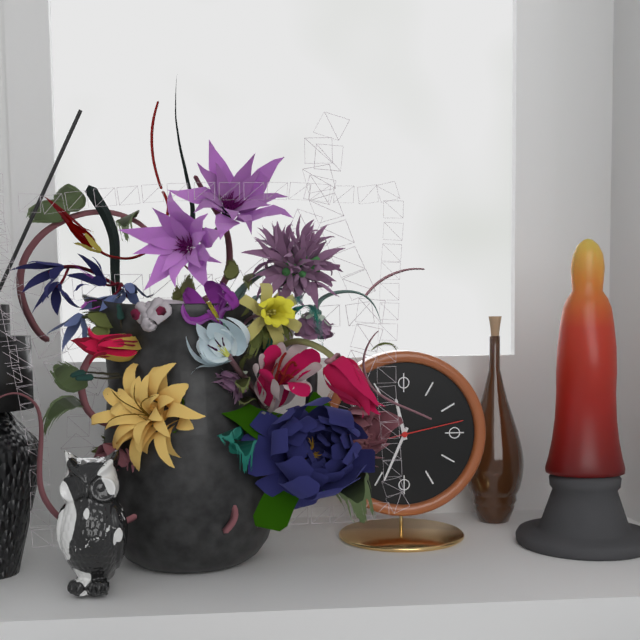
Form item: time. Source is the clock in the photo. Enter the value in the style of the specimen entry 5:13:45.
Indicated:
11:34:13
